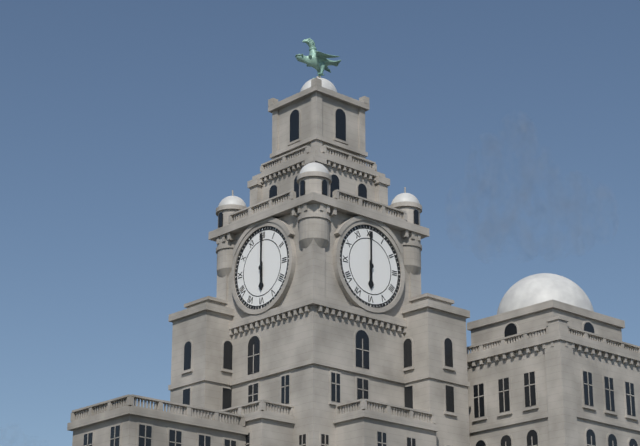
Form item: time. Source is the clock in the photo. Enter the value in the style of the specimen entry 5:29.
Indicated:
6:00
